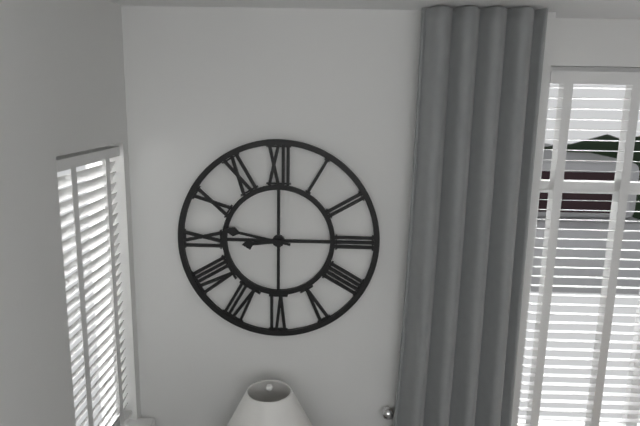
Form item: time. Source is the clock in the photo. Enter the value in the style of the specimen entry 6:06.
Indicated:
8:47
